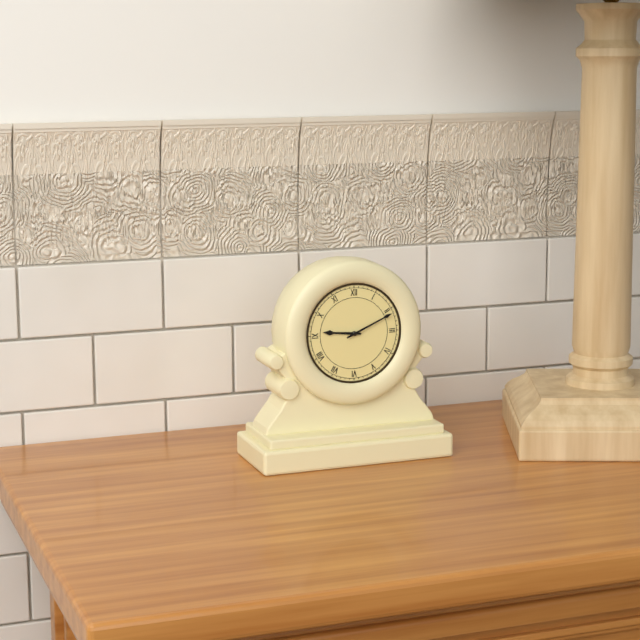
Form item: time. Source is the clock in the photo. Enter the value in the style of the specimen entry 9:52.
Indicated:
9:11
